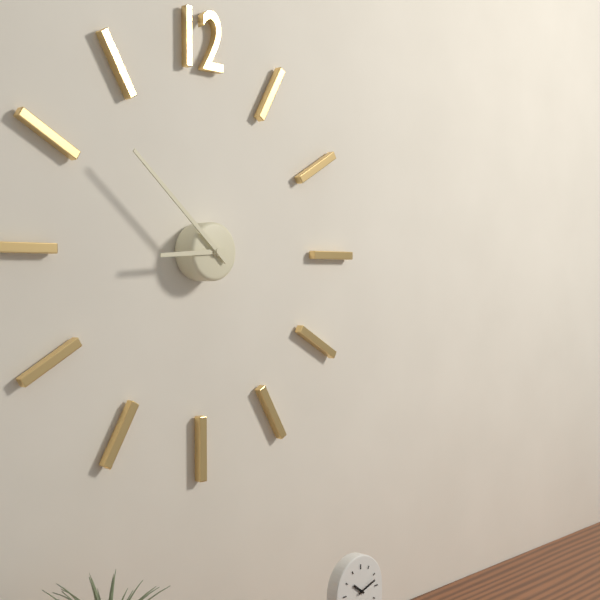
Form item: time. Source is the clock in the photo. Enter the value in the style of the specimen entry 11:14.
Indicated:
8:52
